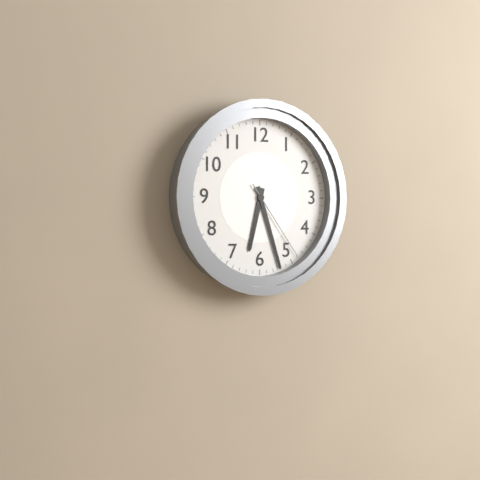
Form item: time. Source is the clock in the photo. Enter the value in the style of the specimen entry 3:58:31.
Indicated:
6:27:24
